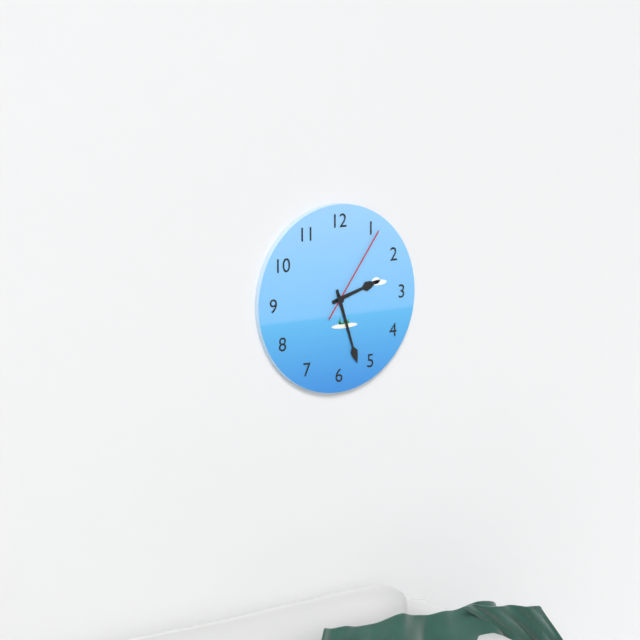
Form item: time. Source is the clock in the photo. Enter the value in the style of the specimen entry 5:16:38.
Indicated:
2:27:06
